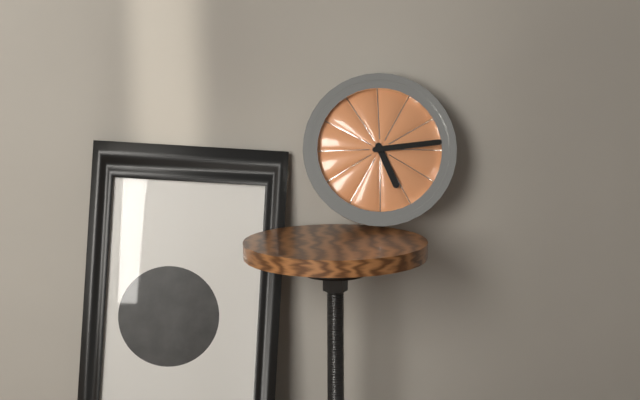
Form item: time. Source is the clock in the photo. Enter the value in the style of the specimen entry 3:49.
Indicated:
5:14
